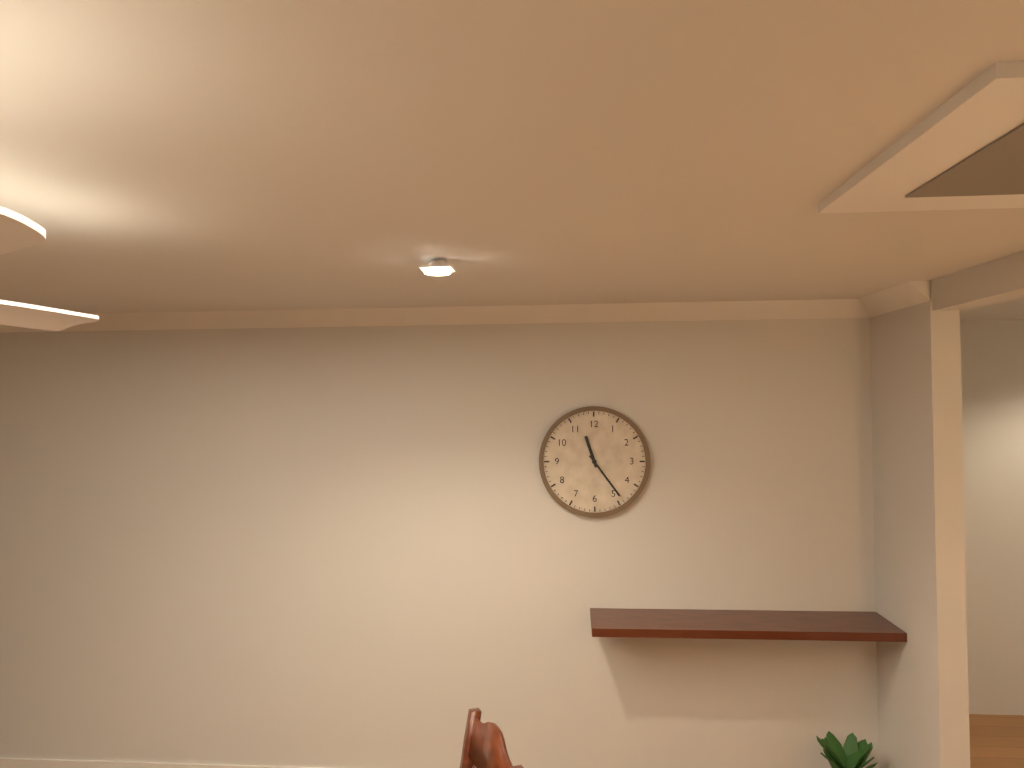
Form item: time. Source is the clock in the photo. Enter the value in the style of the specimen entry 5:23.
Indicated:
11:24
